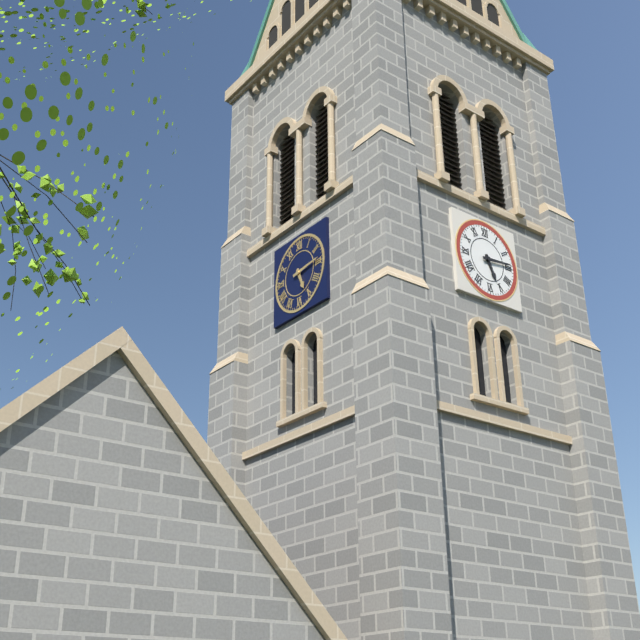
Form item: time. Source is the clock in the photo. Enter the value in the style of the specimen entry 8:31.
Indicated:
5:14
